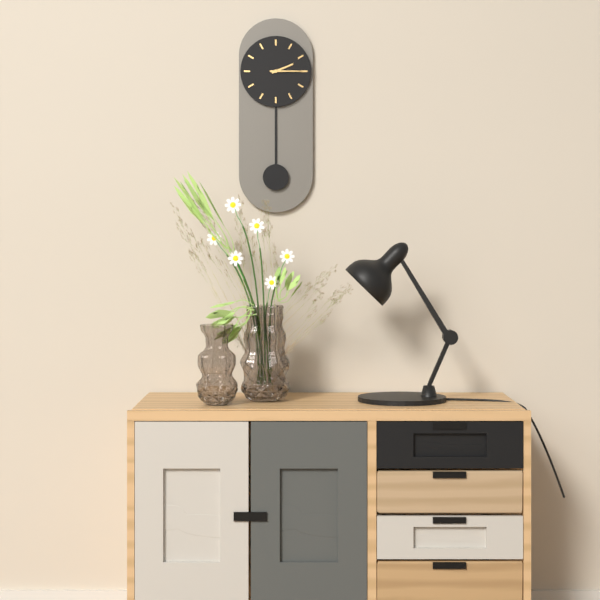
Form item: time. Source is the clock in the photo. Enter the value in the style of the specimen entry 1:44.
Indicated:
2:15
